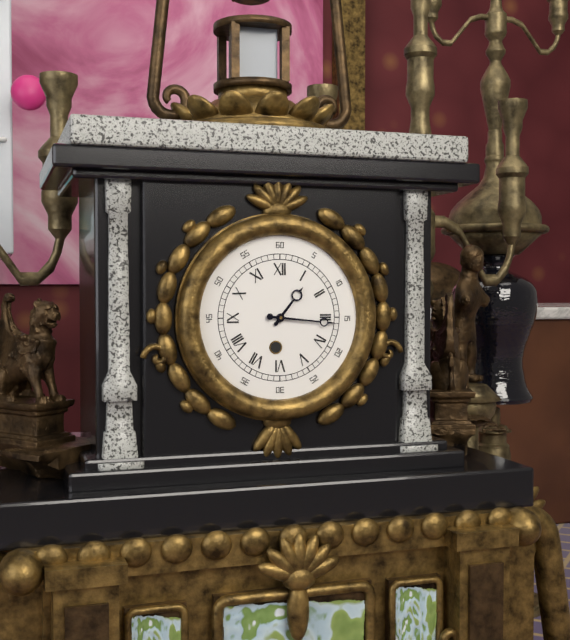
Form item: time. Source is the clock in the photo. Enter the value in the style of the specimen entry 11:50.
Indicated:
1:16
